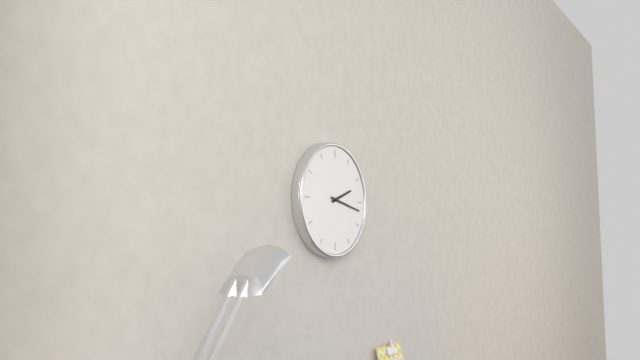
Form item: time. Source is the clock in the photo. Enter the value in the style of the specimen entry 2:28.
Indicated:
2:17
